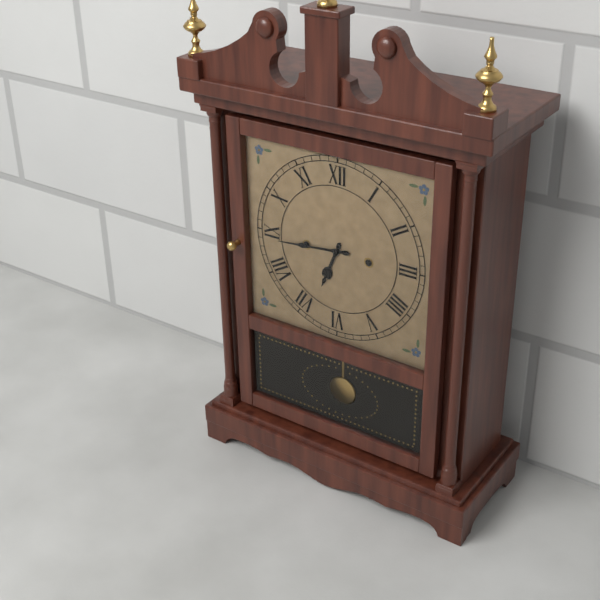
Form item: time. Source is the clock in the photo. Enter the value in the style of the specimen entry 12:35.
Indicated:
6:44
